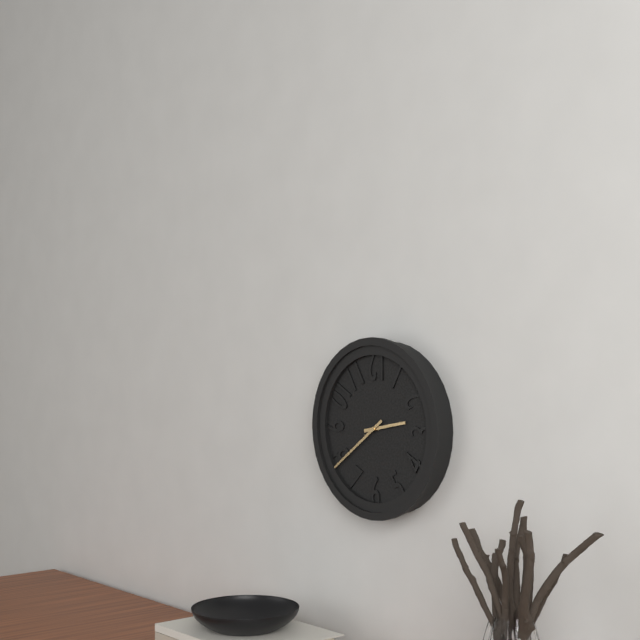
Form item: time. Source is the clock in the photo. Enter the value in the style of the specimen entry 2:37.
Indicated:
2:39
